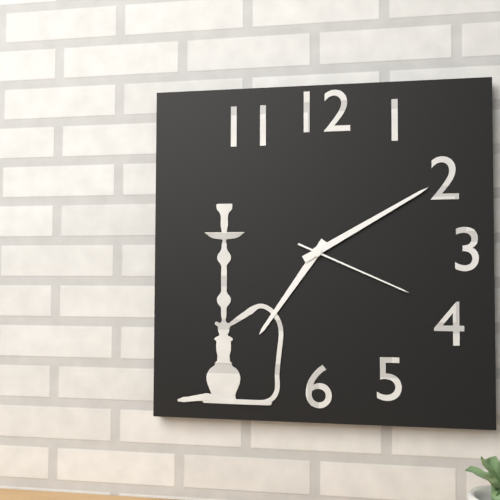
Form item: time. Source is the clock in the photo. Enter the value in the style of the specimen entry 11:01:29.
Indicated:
7:10:19
